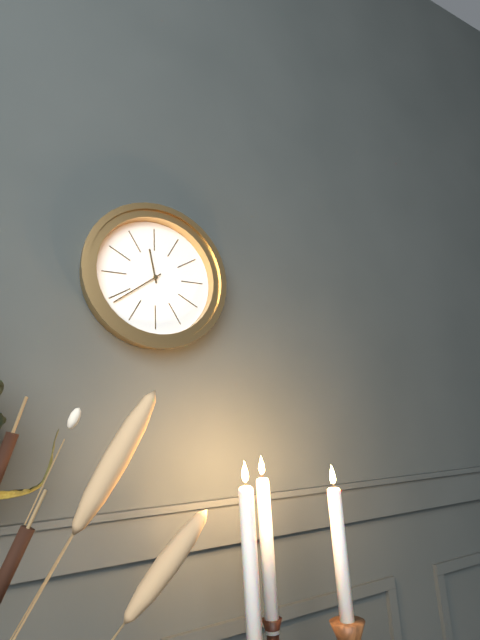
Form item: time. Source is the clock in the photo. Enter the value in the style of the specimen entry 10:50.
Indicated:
11:39
